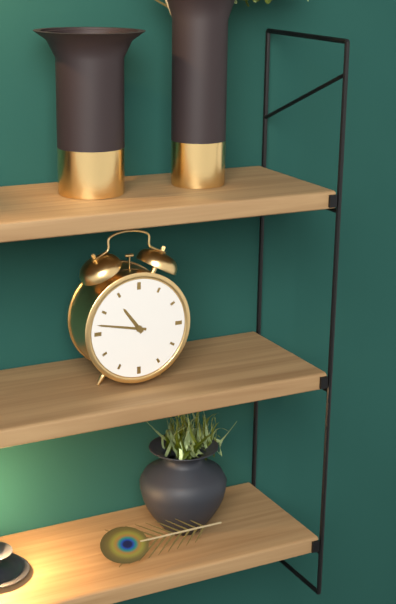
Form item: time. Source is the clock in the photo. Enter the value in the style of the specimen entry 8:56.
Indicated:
10:47
